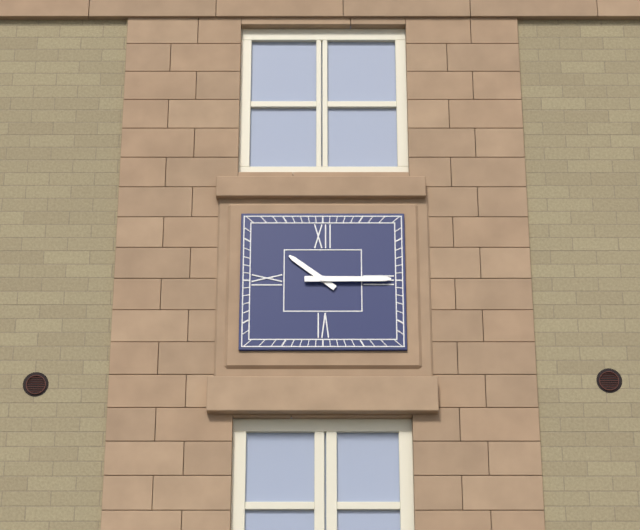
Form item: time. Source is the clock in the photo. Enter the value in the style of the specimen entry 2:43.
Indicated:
10:15
